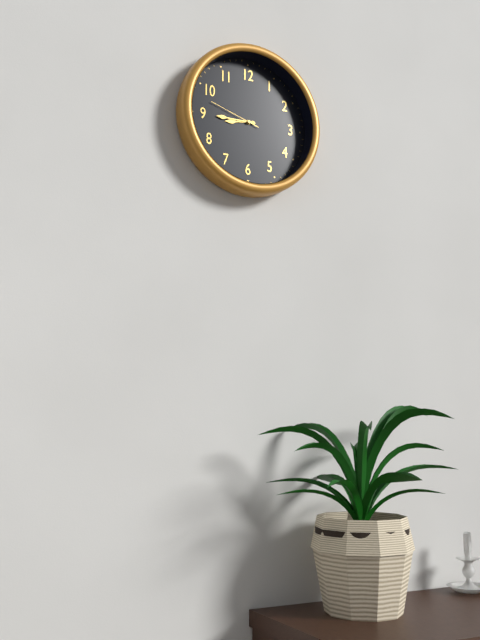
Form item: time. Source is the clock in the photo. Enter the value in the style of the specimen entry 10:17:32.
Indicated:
8:45:48
